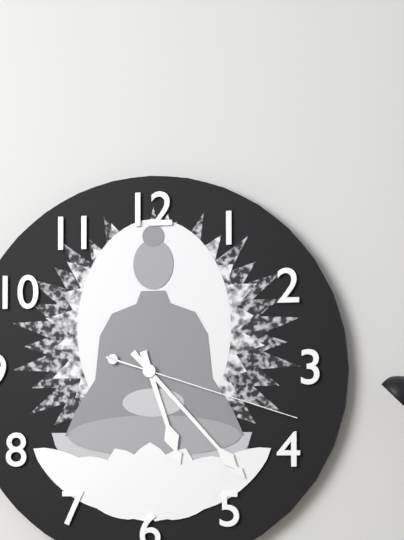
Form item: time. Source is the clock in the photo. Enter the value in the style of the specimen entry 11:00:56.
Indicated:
5:23:18
